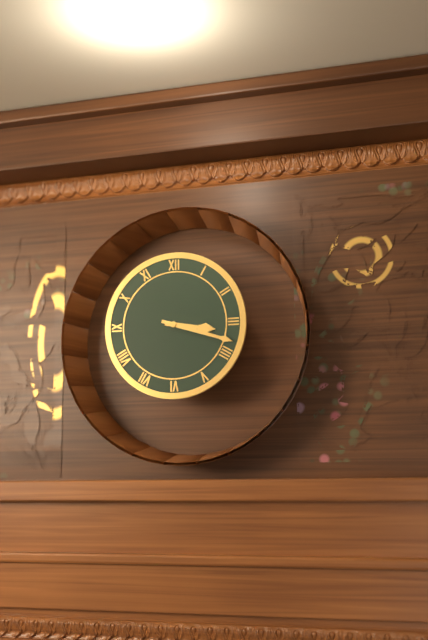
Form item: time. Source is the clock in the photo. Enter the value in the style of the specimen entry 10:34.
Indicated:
3:18
